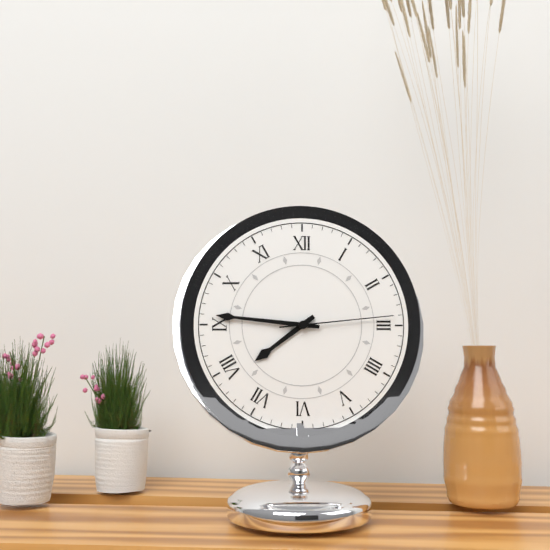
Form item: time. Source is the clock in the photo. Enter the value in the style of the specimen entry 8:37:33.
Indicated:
7:46:14
